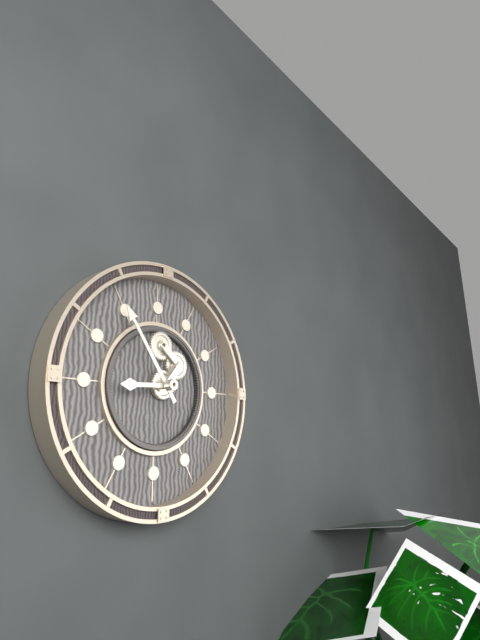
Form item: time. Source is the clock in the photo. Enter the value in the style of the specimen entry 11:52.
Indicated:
8:54
